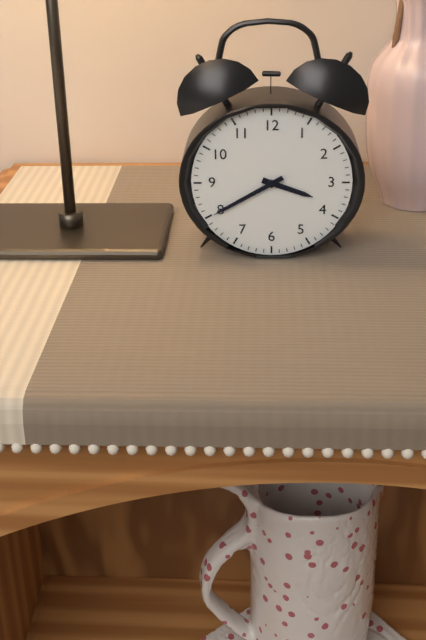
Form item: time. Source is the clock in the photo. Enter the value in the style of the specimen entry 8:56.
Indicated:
3:40
